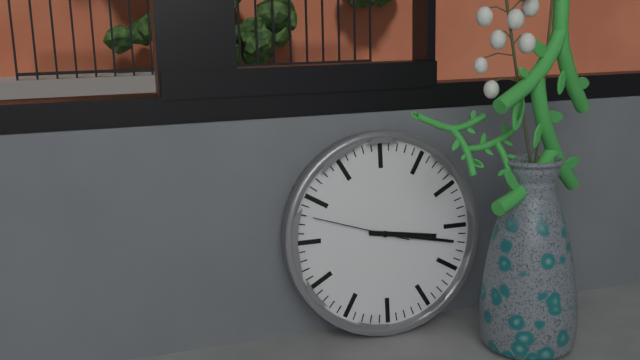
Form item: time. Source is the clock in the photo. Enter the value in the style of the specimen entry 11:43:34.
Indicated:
3:17:48
